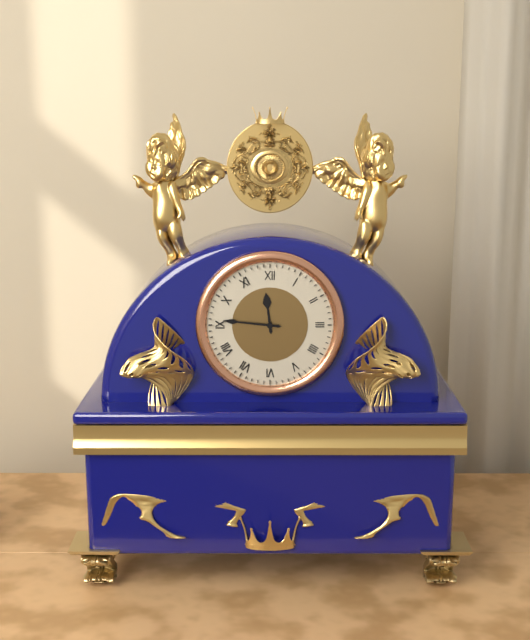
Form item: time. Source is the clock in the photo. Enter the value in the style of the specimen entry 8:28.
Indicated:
11:46
